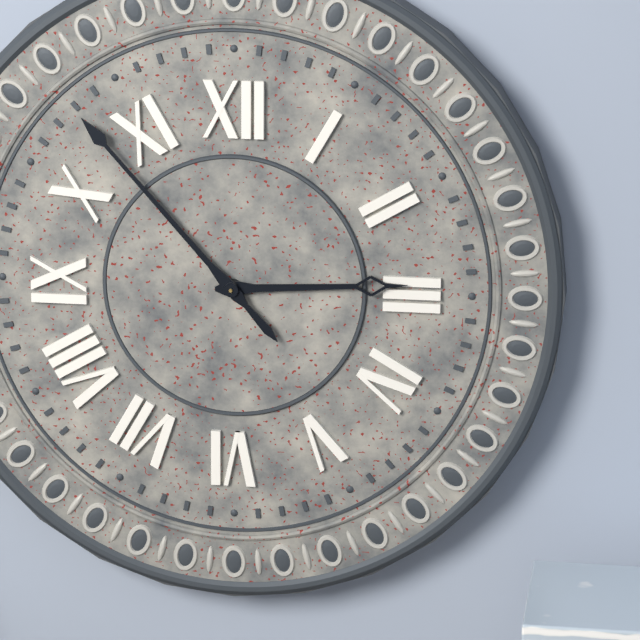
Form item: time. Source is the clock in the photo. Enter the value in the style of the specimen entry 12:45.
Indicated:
2:53
